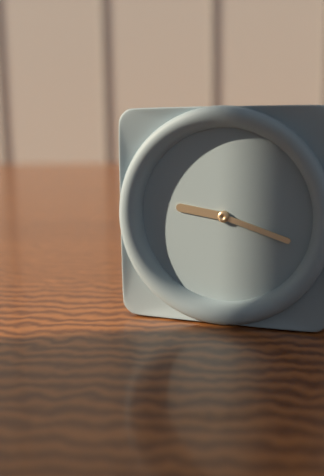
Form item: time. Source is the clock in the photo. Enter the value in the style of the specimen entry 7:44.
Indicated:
9:18
